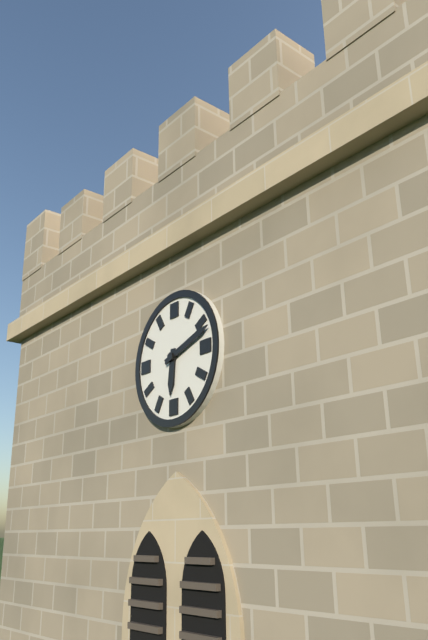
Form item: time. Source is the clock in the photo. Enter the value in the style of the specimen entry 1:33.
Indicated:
6:12
